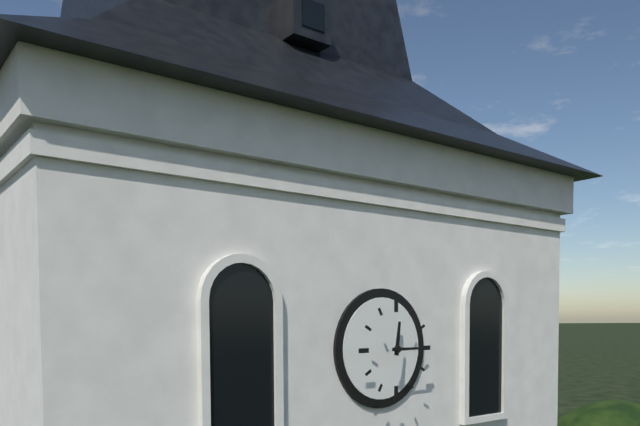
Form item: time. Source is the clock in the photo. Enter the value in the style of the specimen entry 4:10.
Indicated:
12:15
